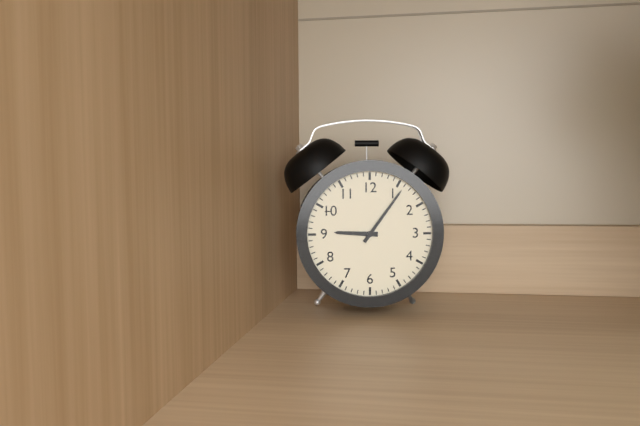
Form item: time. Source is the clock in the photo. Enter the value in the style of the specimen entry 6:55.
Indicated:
9:06
